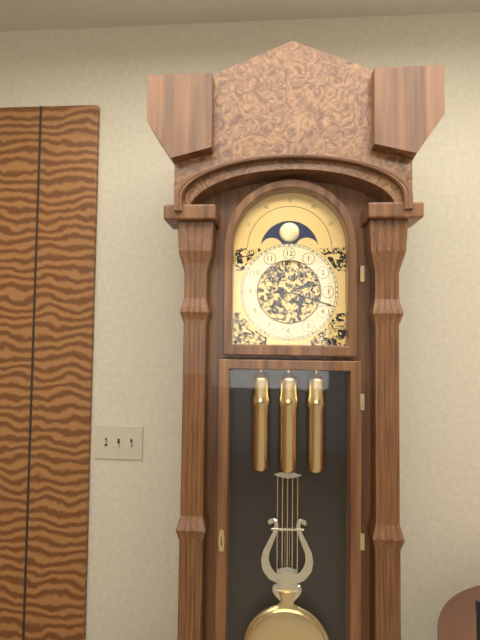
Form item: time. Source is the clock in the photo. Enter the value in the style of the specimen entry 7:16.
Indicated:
2:18
